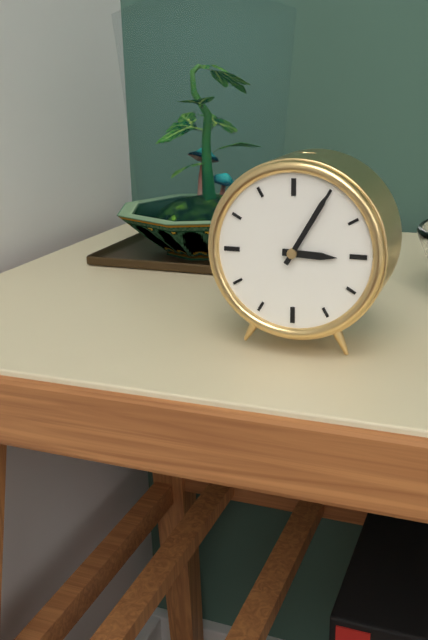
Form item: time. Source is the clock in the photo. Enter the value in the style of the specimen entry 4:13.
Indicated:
3:05
